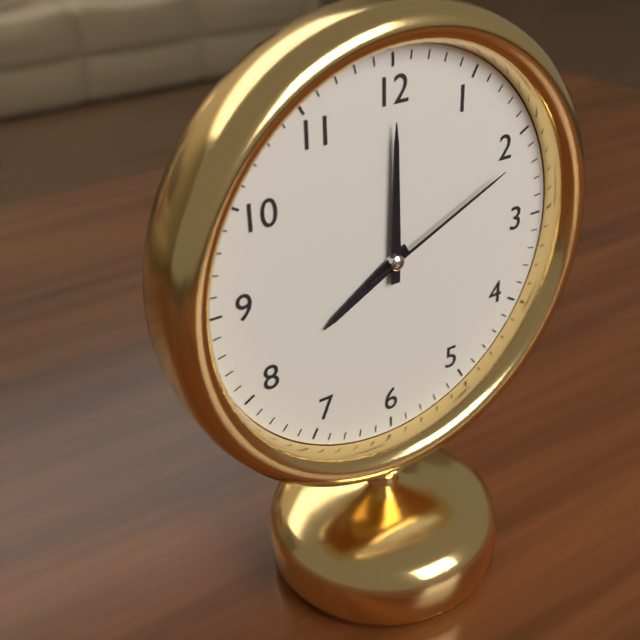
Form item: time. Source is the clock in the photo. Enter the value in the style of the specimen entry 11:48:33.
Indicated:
8:00:11
